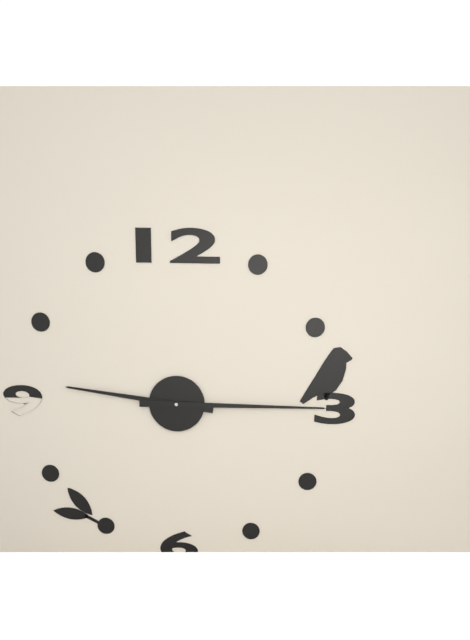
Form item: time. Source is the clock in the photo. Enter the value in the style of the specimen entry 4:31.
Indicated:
9:15
